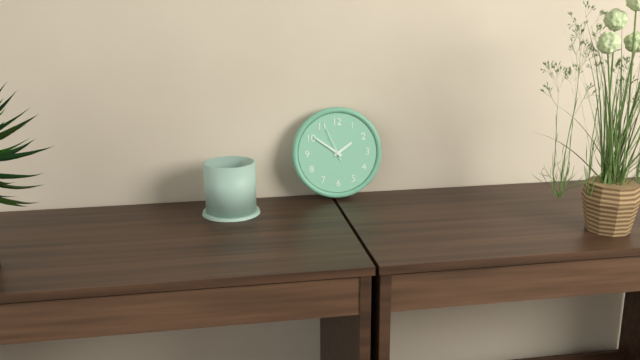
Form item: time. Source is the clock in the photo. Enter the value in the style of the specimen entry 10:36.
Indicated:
1:51
